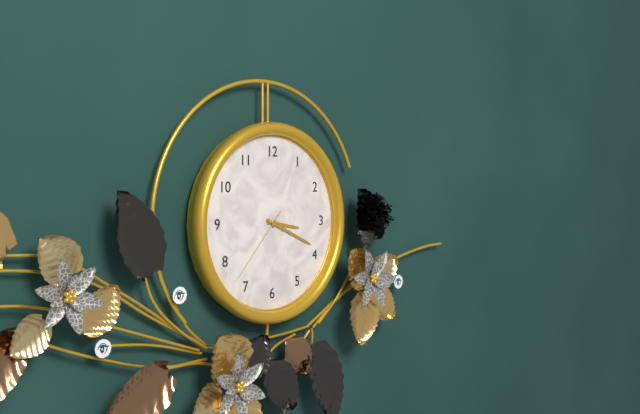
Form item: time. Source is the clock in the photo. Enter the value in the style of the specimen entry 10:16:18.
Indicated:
3:19:37
